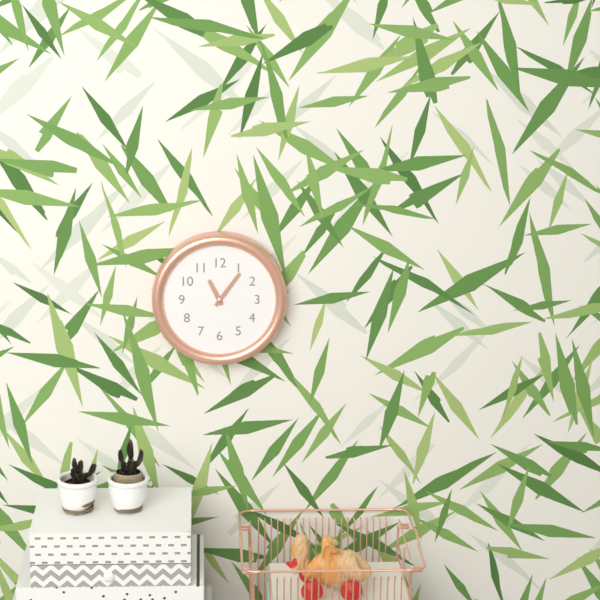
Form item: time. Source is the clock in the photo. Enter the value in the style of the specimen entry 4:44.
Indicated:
11:06
